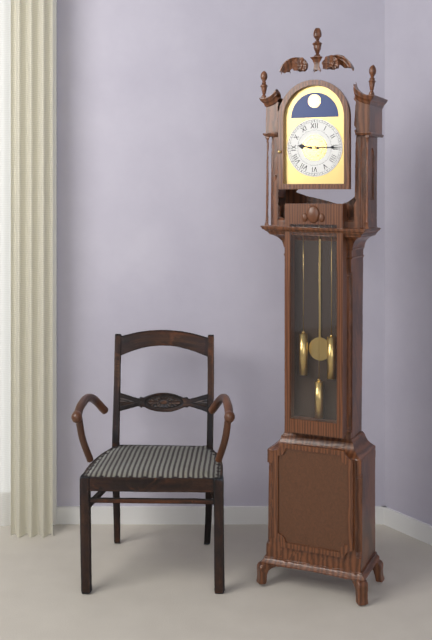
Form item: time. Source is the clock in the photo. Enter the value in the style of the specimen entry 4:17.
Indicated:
9:15
